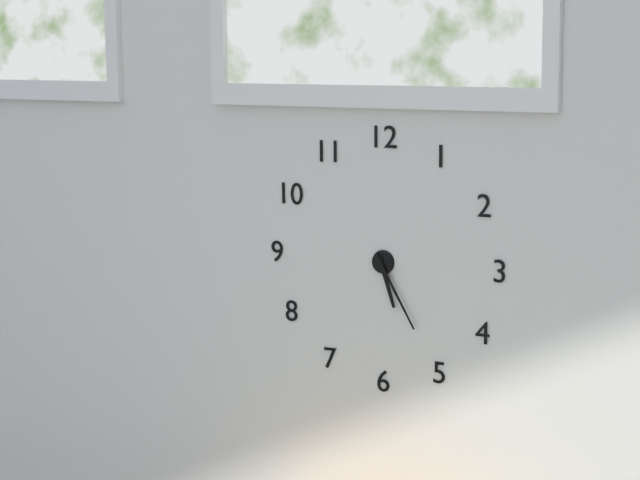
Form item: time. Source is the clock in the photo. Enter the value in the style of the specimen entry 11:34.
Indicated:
5:25
